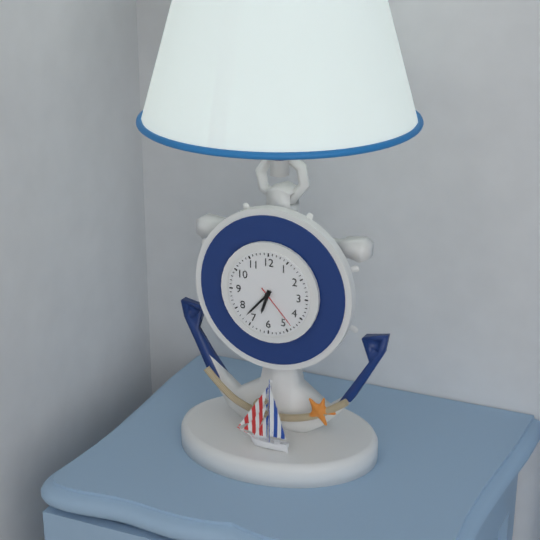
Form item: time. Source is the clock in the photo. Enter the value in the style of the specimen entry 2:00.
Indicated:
6:37
